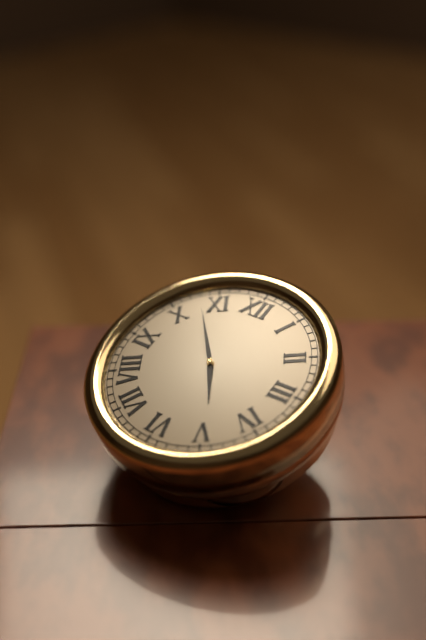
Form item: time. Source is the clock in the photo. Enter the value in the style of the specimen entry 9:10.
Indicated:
4:53
